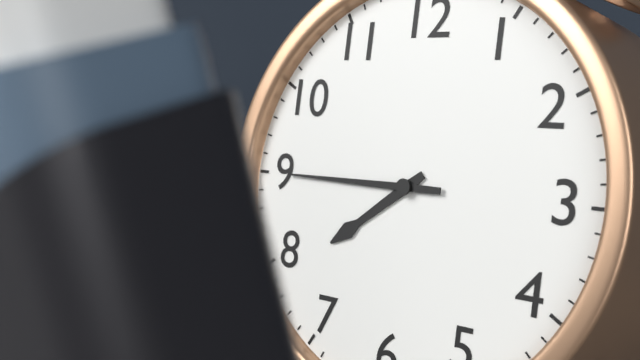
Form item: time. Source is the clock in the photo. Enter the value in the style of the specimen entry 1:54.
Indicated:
7:45
